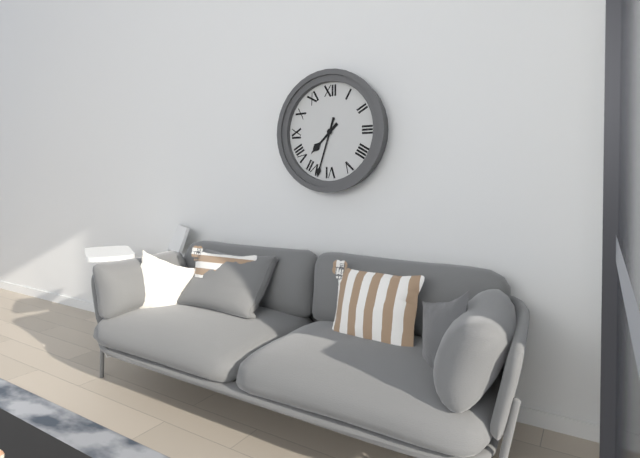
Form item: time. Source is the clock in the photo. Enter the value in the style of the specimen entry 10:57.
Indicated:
7:33
